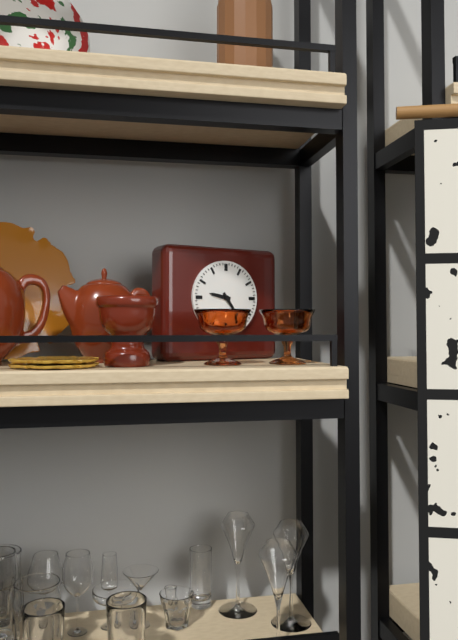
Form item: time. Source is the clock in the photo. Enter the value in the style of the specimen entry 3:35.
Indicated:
9:24
